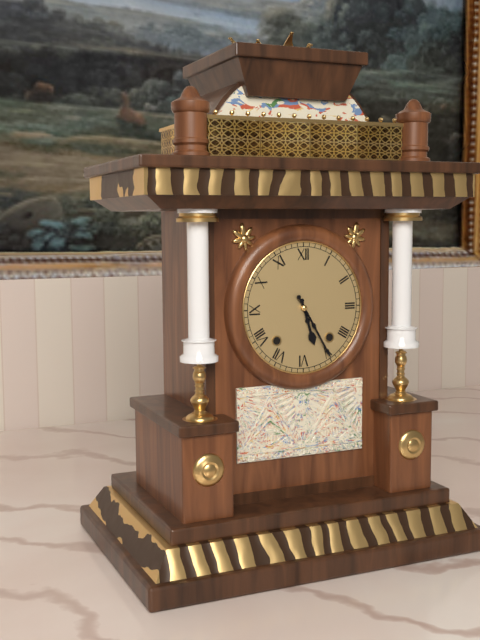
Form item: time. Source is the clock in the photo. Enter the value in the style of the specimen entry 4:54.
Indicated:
5:25
